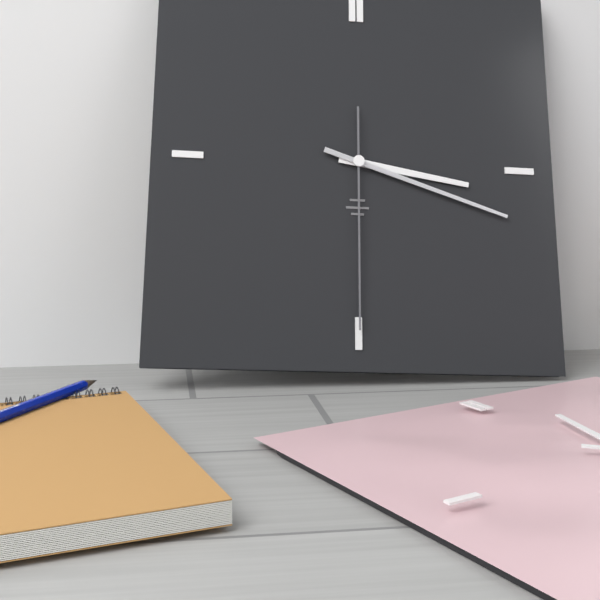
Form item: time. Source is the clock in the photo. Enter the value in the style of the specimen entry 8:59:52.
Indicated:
3:18:30
